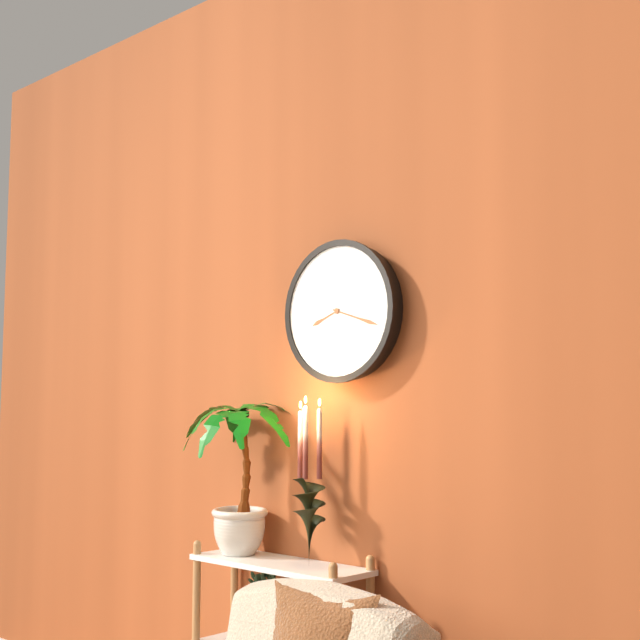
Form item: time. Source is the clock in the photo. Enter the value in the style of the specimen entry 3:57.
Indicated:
8:18
